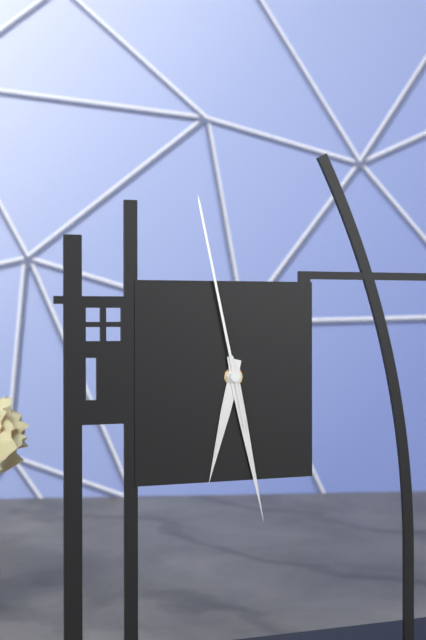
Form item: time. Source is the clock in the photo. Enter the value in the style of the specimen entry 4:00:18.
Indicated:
6:28:58
